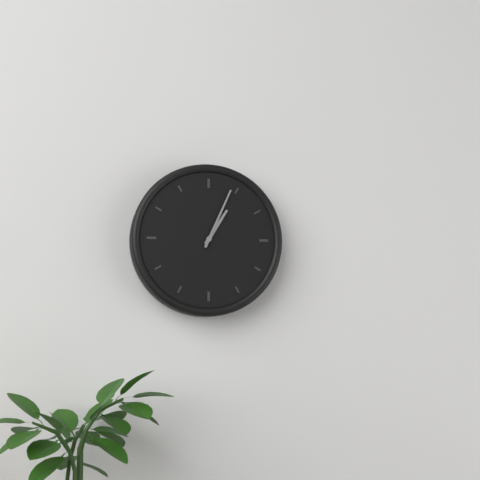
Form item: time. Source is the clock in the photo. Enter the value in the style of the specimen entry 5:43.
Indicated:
1:04
